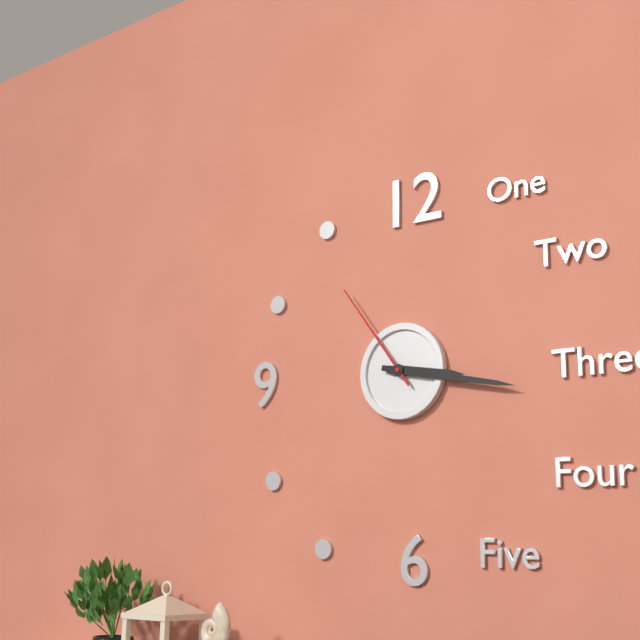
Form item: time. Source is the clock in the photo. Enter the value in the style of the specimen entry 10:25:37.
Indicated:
3:17:54
